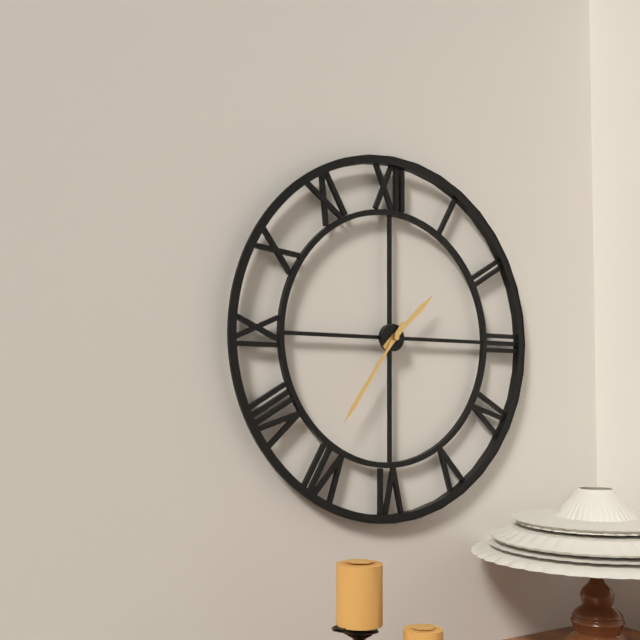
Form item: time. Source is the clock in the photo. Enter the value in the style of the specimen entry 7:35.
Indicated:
1:36
